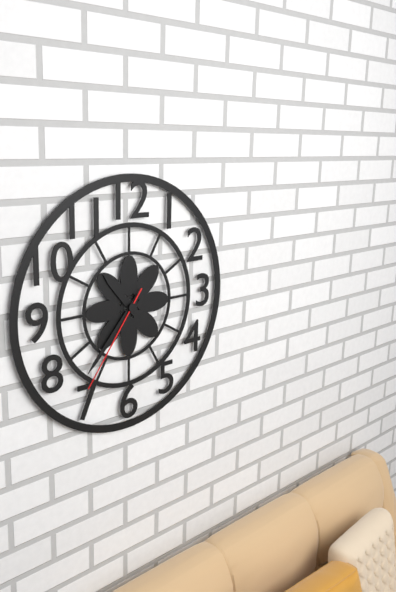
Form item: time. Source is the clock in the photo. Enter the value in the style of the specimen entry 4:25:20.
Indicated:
10:37:36
